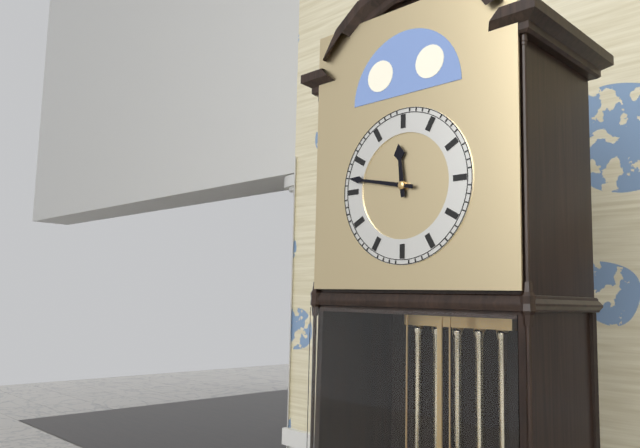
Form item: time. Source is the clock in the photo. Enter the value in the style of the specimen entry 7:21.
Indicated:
11:47
